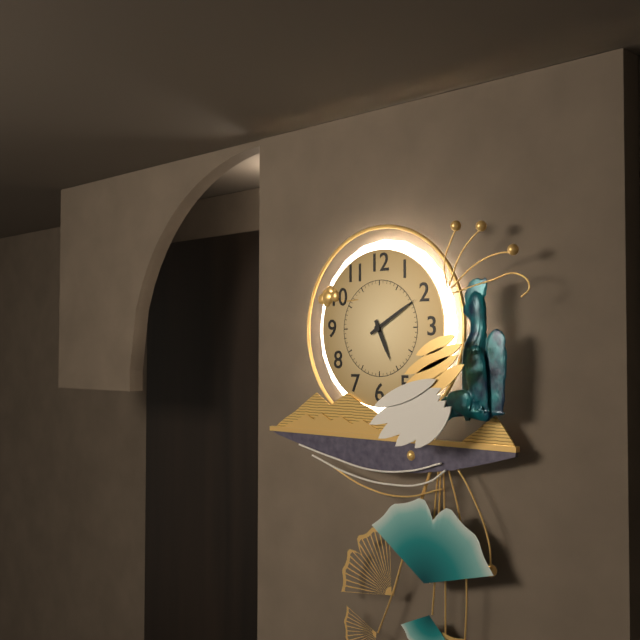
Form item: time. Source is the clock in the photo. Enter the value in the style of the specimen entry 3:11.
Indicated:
5:10
